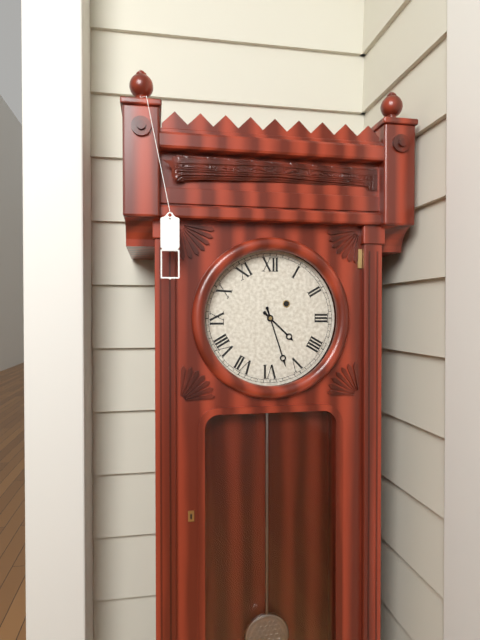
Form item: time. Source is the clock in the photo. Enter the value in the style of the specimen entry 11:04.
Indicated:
4:27
